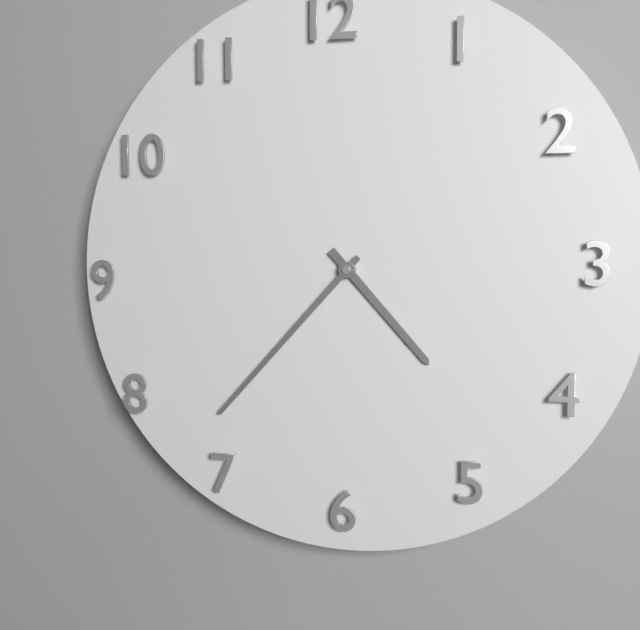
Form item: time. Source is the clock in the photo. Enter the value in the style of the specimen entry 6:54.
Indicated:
4:37
